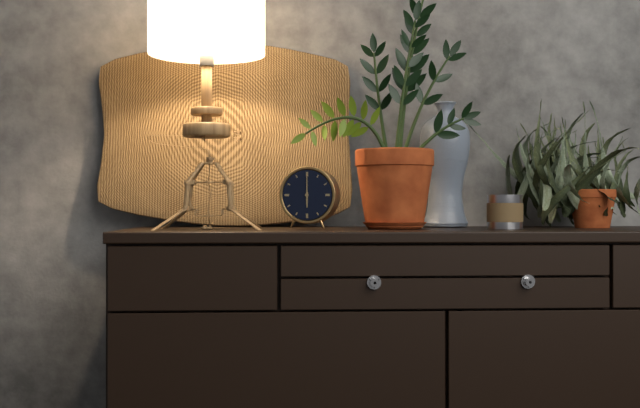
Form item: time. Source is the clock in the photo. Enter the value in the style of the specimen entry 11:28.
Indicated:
6:00
